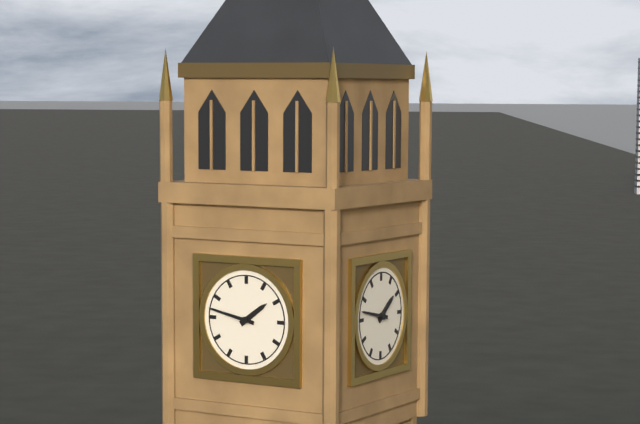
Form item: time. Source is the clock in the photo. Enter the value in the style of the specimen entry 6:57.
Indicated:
1:47
